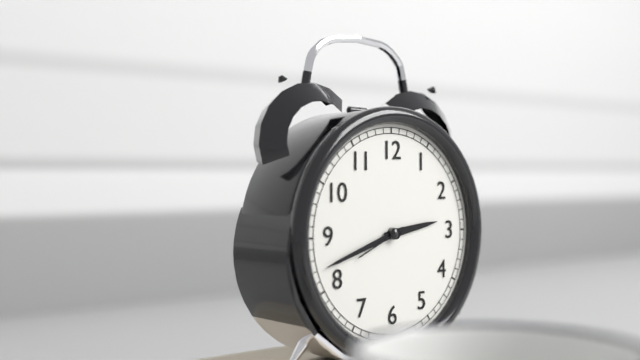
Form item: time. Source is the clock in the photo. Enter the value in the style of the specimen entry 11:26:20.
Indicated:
2:42:41
